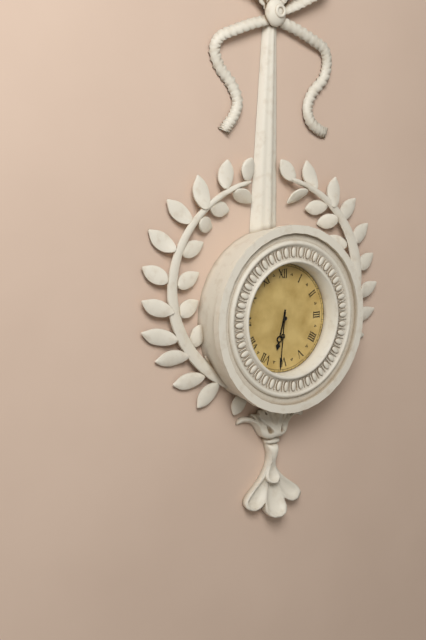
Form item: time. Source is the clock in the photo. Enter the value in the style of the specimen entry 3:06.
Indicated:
6:31
